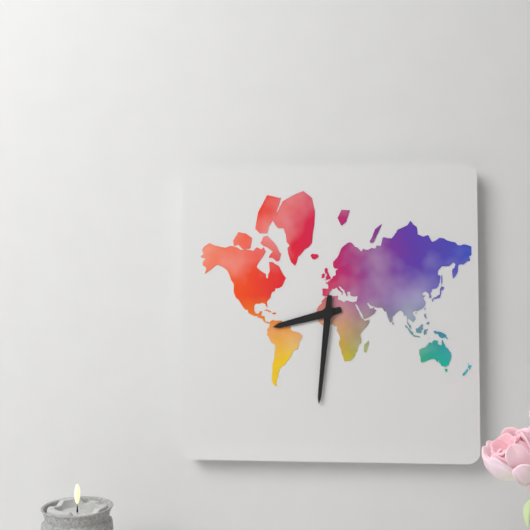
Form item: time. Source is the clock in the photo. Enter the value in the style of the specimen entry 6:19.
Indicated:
8:31
